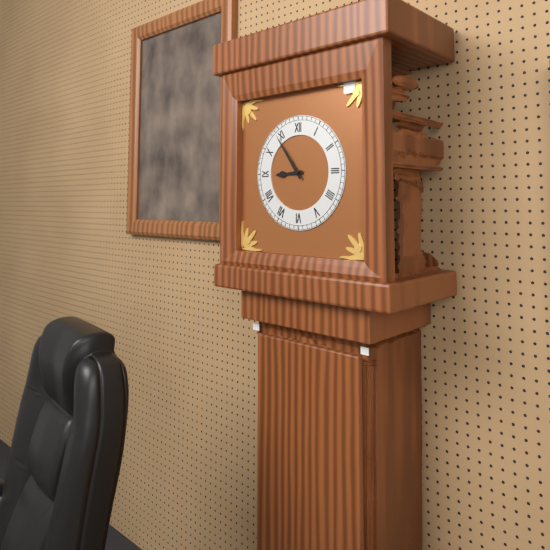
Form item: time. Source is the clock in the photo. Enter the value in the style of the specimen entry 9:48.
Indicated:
8:54
